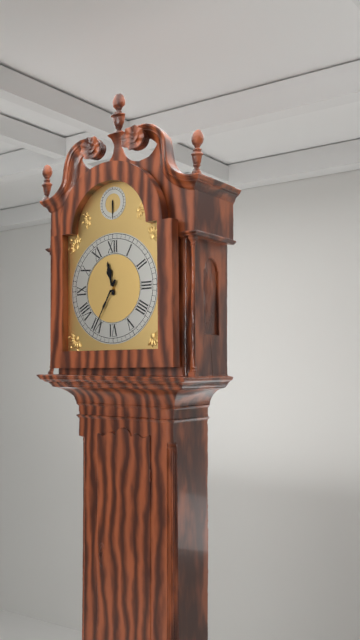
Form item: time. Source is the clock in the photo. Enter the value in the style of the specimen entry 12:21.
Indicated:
11:35
